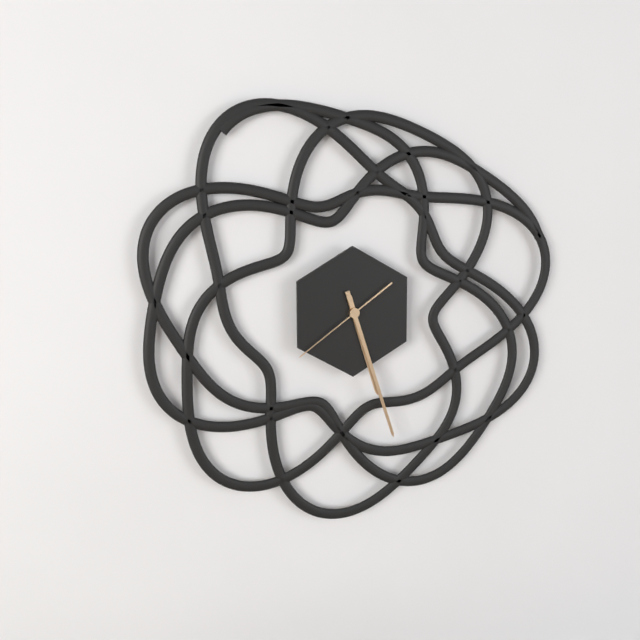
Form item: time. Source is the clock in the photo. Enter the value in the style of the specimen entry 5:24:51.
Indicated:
5:27:39
